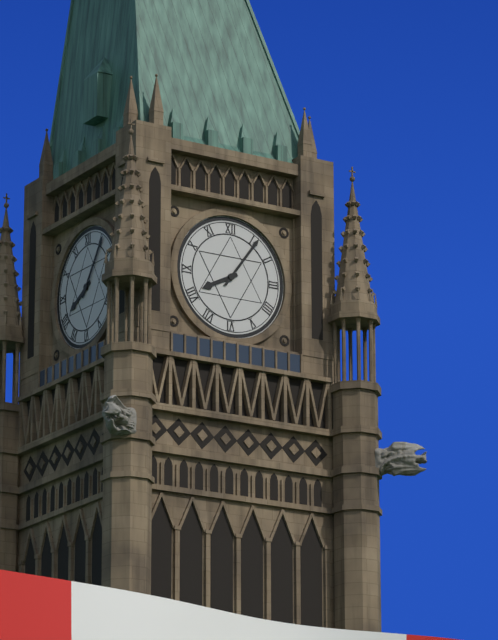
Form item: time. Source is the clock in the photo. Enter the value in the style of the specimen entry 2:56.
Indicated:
8:06
